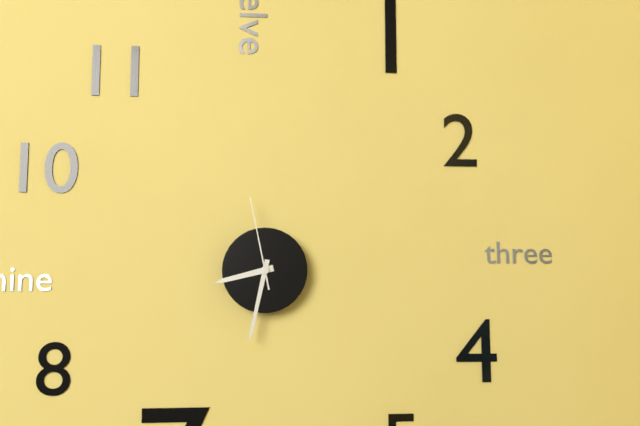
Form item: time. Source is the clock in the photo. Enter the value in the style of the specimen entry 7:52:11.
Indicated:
8:32:58
